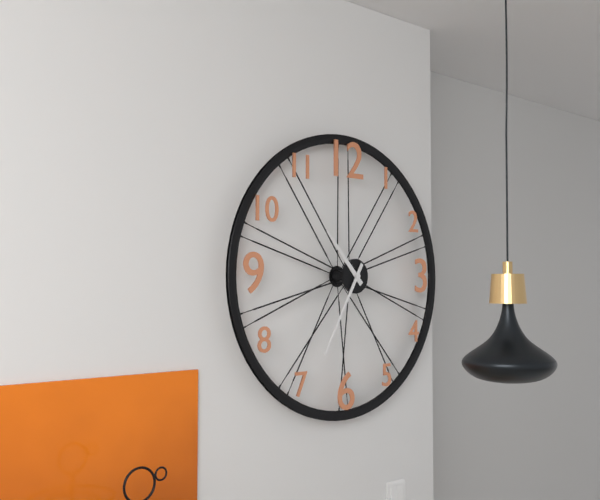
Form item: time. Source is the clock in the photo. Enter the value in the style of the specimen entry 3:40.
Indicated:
10:35
